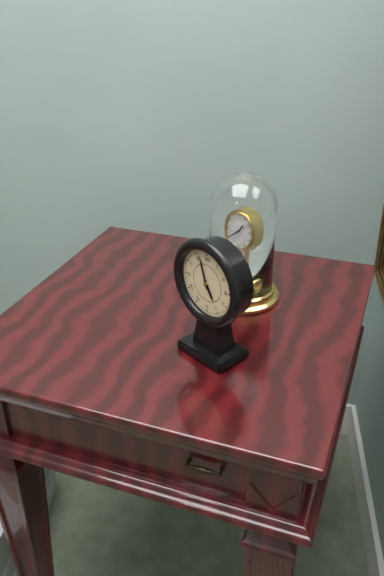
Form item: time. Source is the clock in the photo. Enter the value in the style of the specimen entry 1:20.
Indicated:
4:57
